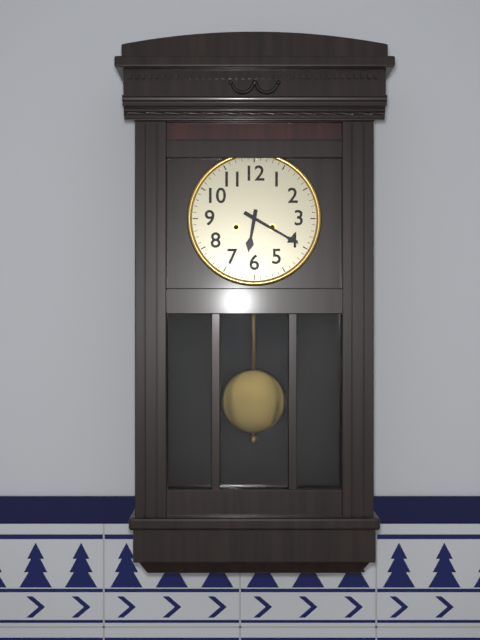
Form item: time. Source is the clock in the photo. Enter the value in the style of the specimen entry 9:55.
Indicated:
6:20
